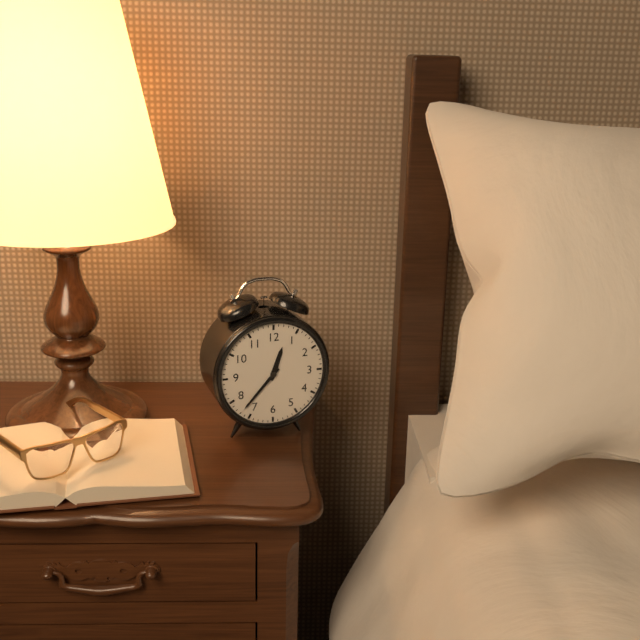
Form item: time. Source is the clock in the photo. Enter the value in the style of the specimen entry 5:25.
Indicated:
12:37
